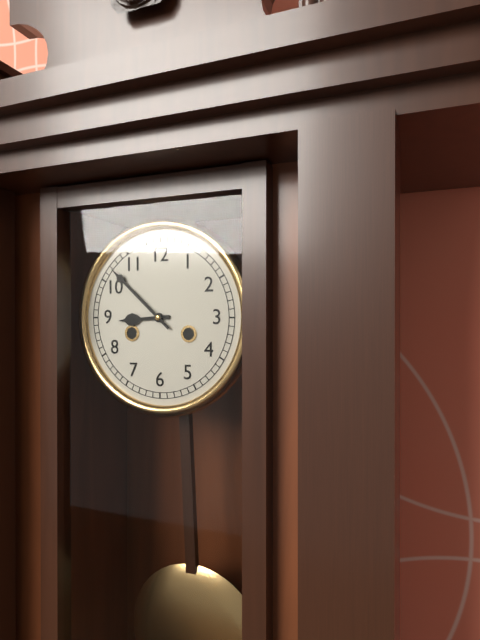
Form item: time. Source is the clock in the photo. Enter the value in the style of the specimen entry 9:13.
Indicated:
8:52
